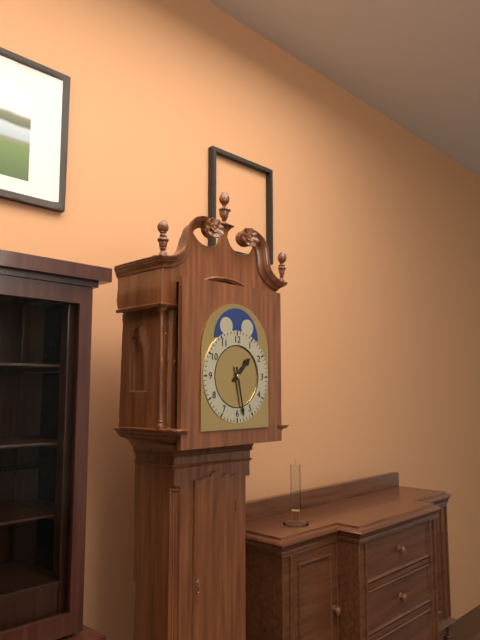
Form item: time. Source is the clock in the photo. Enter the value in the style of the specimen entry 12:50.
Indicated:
1:28
